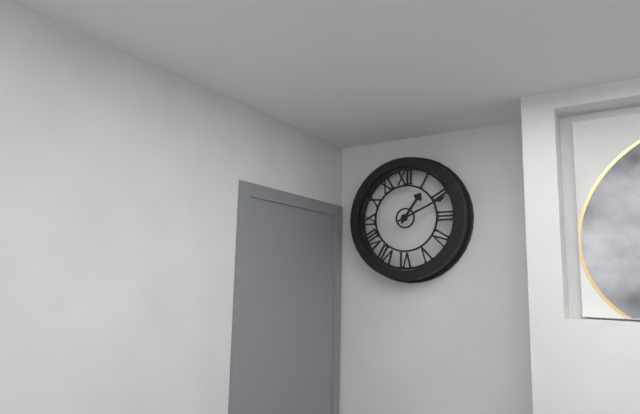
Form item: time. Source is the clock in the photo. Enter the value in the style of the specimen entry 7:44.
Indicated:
1:11
